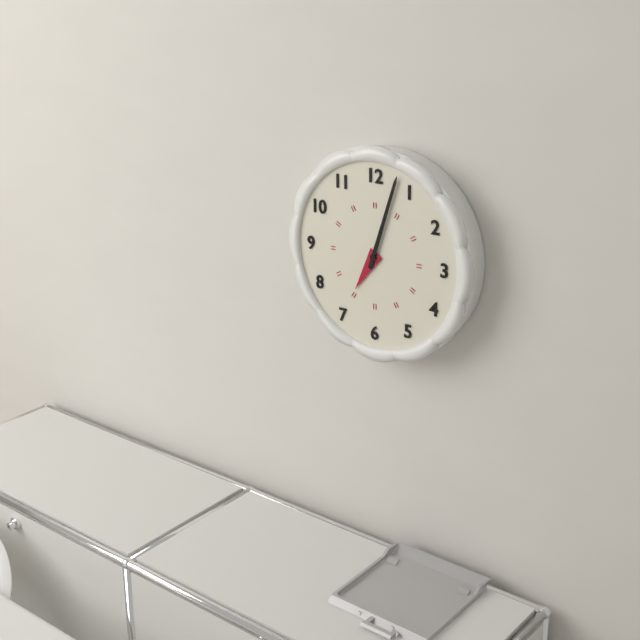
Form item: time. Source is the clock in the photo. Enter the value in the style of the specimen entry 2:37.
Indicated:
7:03
